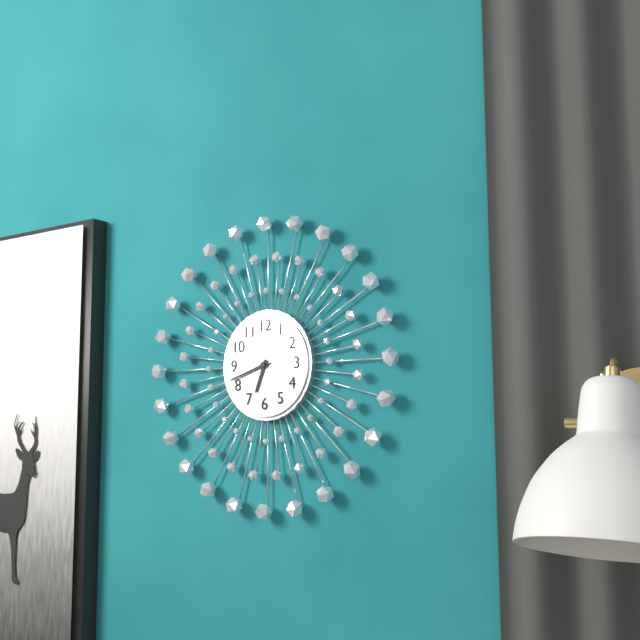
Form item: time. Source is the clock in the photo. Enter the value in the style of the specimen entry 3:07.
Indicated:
6:42
